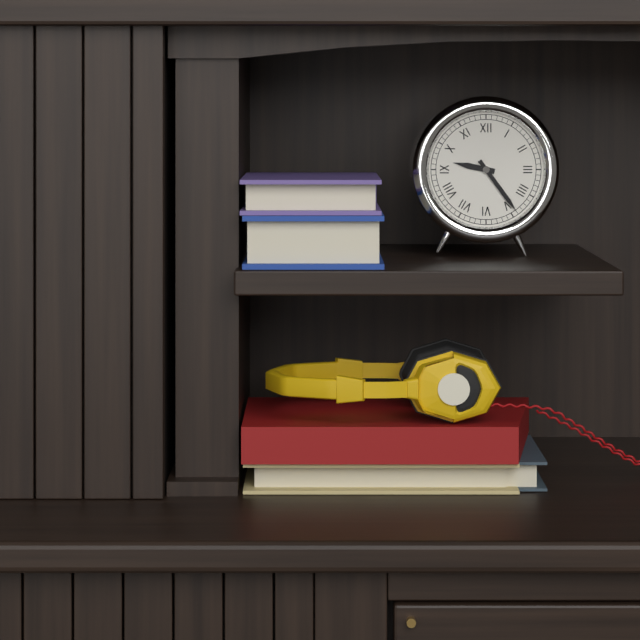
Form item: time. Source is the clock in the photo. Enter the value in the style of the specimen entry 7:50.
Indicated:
9:24
